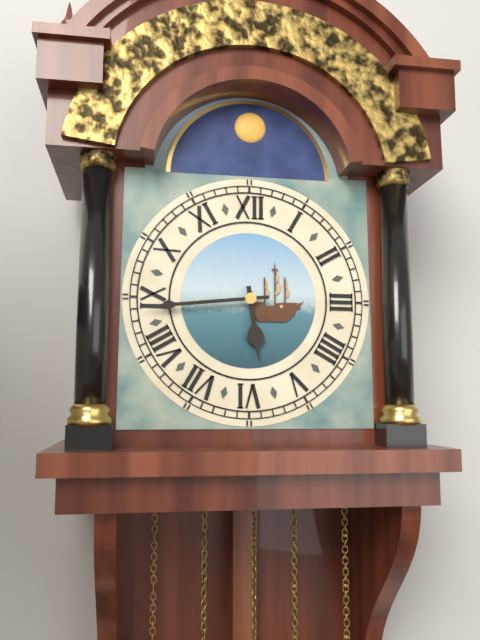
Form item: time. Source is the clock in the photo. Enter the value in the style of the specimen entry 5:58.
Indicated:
5:44
